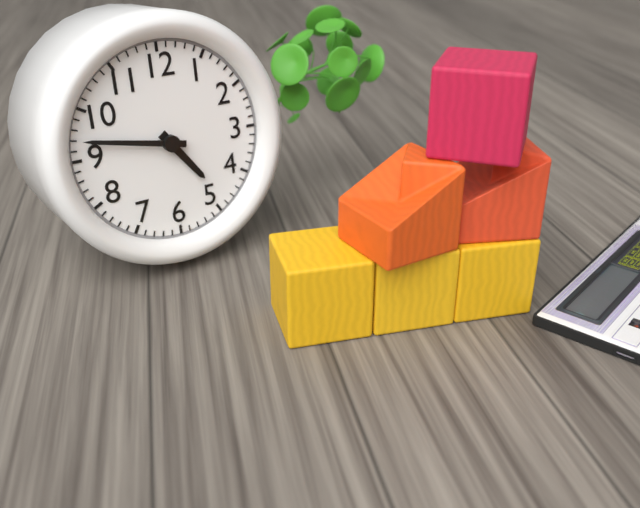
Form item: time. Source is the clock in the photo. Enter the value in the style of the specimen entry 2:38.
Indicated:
4:47
